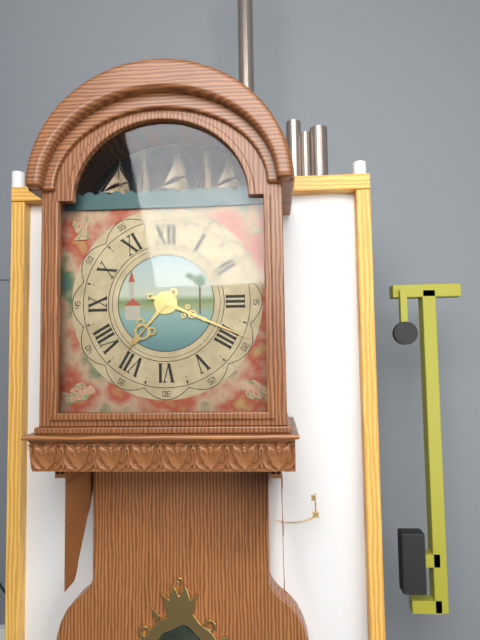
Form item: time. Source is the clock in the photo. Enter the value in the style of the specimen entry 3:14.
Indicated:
7:19
